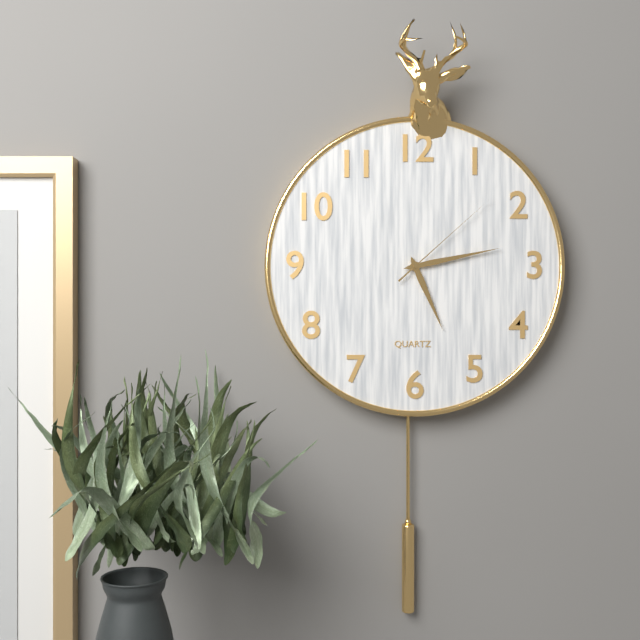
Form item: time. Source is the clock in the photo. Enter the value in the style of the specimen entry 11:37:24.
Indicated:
5:13:08
